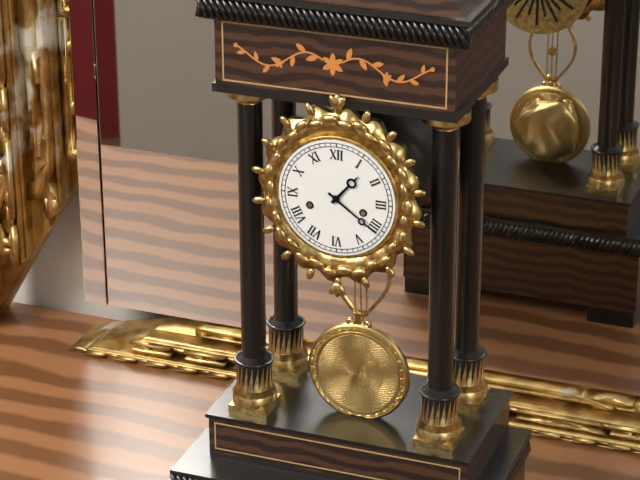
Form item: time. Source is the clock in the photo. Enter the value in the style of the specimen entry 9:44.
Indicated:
1:21
